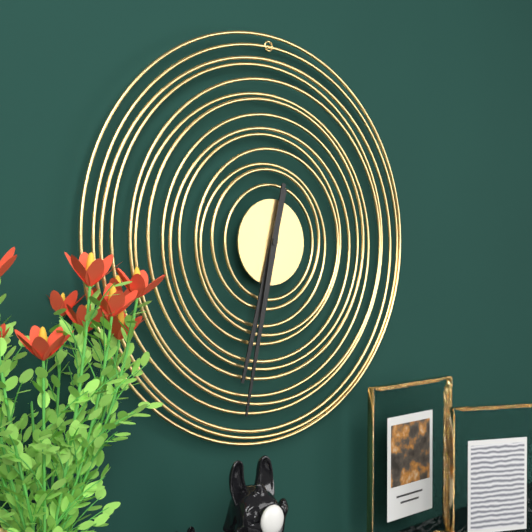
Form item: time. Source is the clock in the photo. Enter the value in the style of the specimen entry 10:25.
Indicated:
6:32
